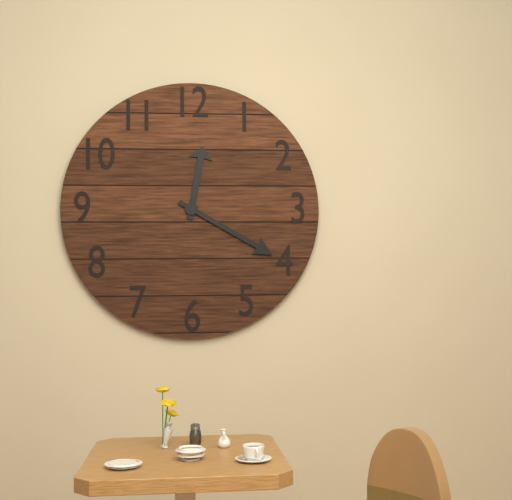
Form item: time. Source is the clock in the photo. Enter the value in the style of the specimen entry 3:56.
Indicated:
12:20
